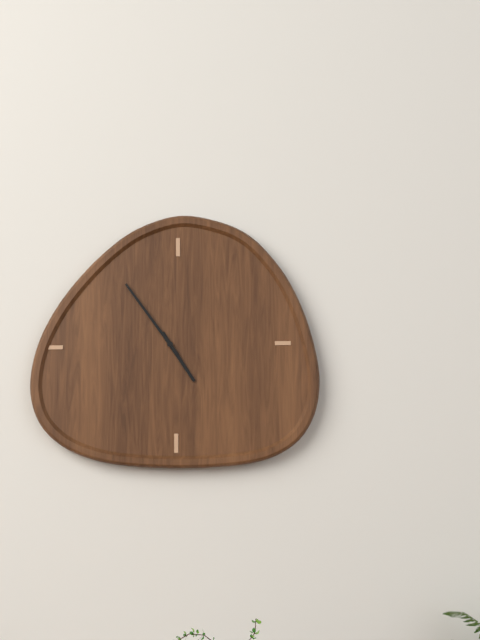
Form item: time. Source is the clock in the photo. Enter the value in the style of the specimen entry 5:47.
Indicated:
4:54
